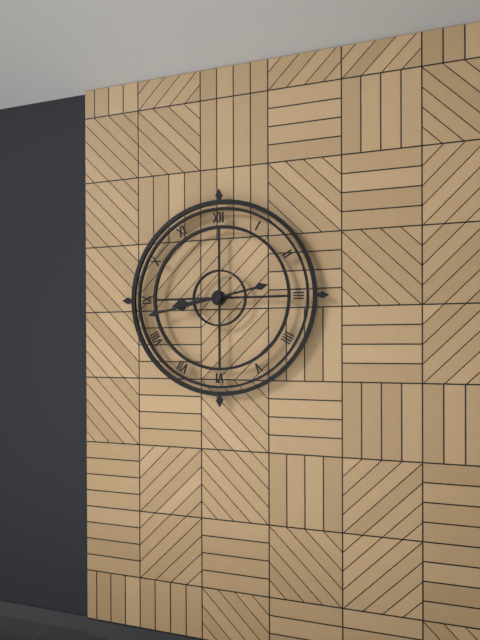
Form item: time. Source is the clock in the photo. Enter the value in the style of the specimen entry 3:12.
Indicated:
8:43
